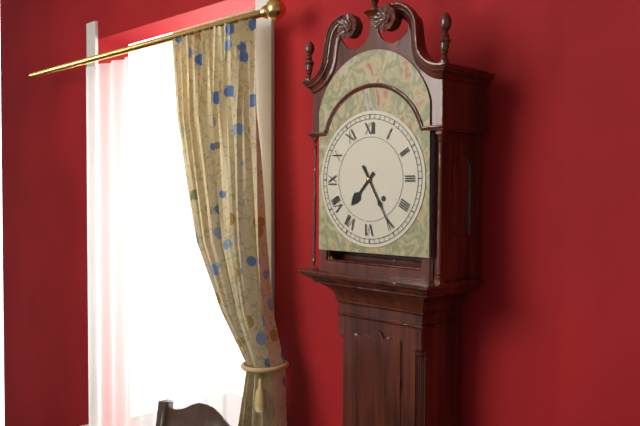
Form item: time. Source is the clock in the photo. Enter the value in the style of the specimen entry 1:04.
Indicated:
7:25
